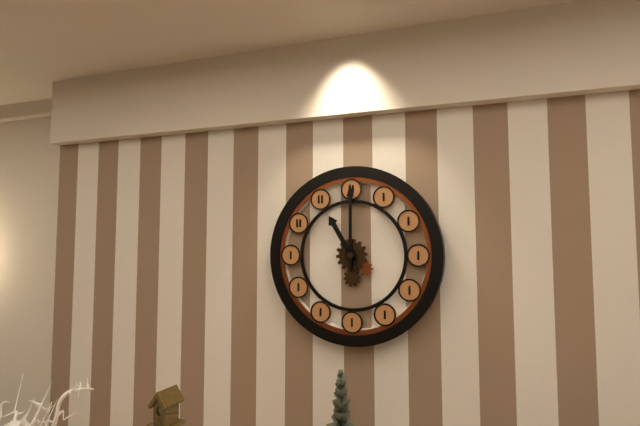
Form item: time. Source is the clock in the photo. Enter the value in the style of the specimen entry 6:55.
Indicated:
11:00
